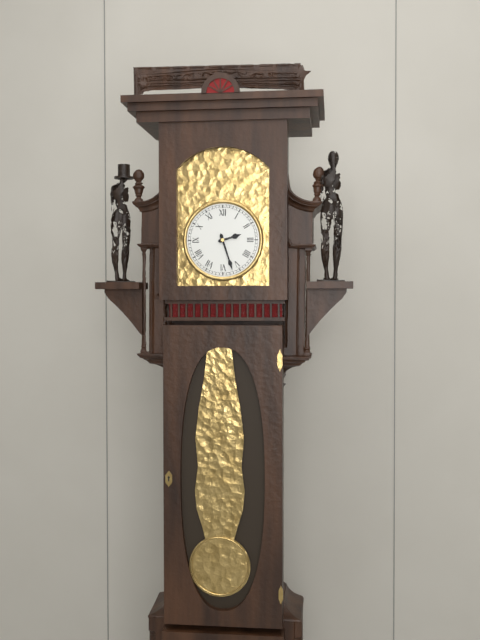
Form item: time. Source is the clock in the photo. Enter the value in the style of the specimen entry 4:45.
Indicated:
2:27
